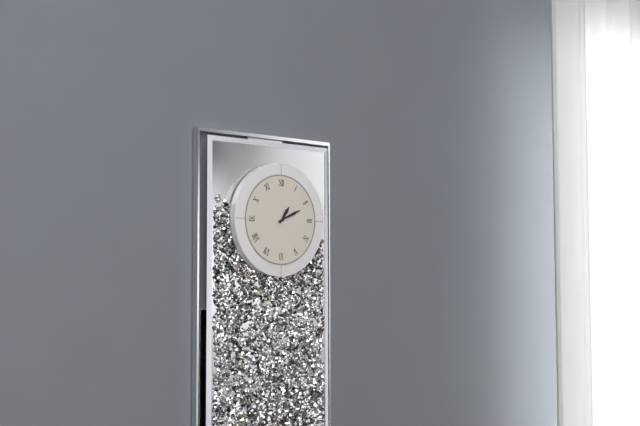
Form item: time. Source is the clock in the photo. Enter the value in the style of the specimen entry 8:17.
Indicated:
1:11
